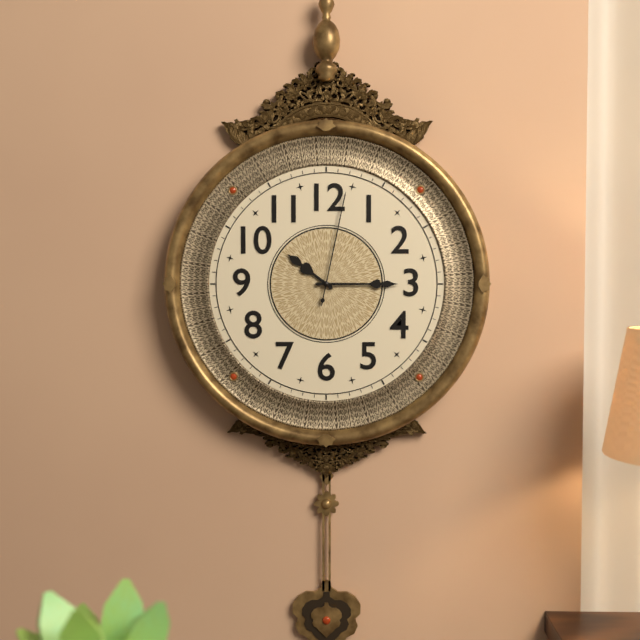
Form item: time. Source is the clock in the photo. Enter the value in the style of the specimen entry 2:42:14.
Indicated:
10:15:02
